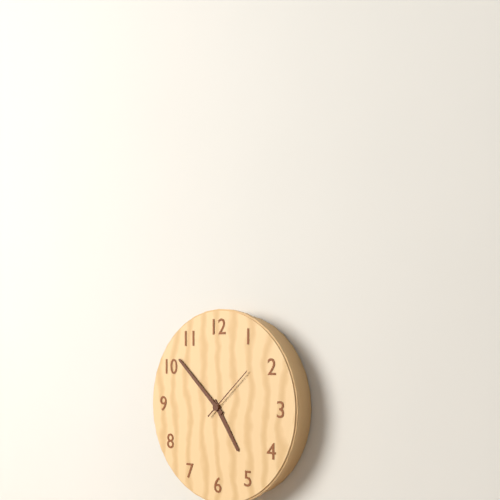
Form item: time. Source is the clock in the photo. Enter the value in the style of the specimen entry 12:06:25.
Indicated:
4:52:08
